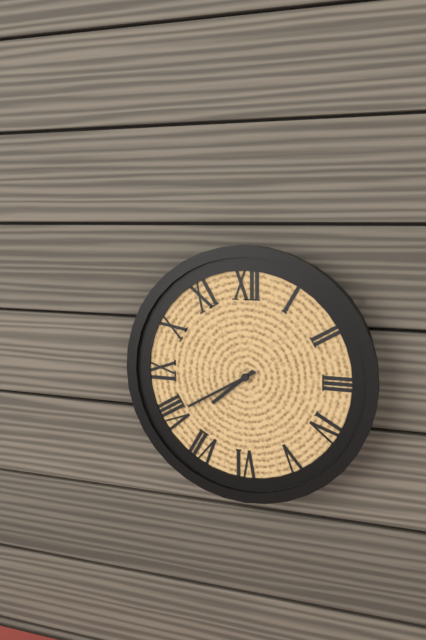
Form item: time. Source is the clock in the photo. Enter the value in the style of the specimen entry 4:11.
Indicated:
7:40
